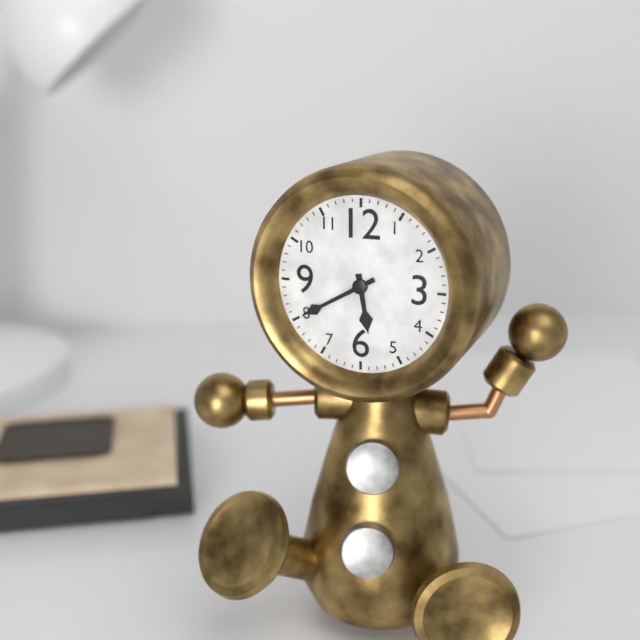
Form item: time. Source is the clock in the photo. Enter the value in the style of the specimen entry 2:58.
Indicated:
5:40
